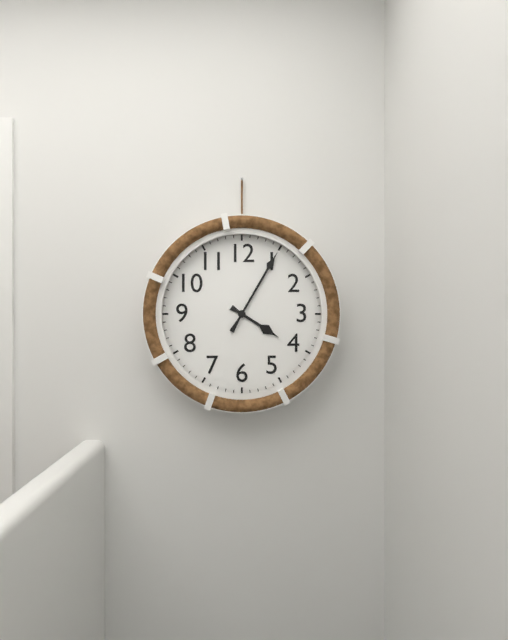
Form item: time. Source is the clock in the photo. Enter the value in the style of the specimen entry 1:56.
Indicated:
4:05
